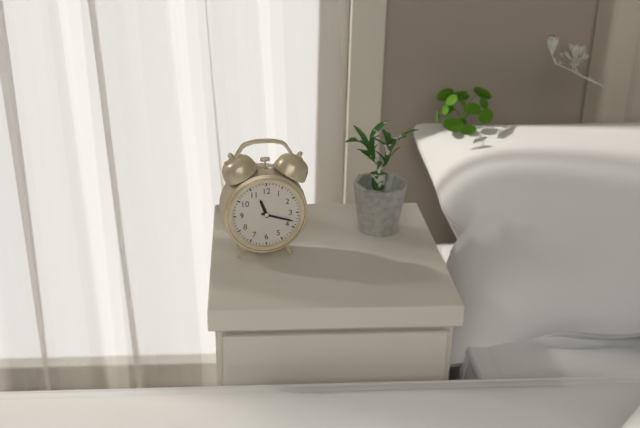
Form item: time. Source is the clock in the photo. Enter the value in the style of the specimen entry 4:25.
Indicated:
11:18
